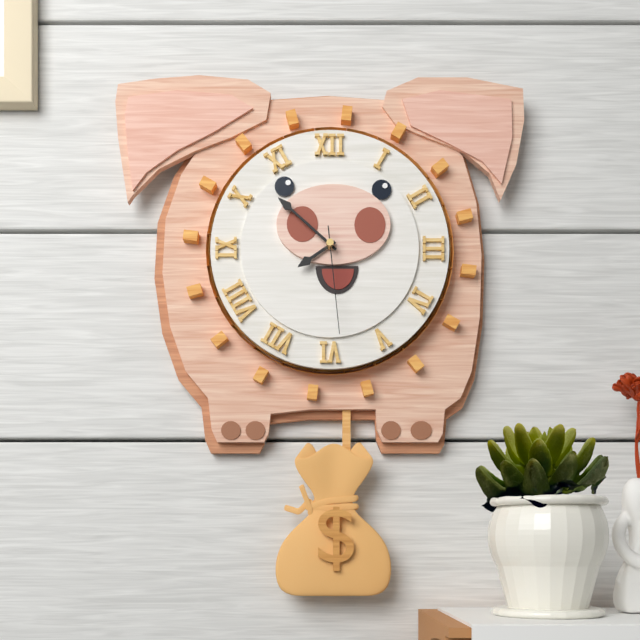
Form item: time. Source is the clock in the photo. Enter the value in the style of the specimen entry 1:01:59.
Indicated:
7:52:29
